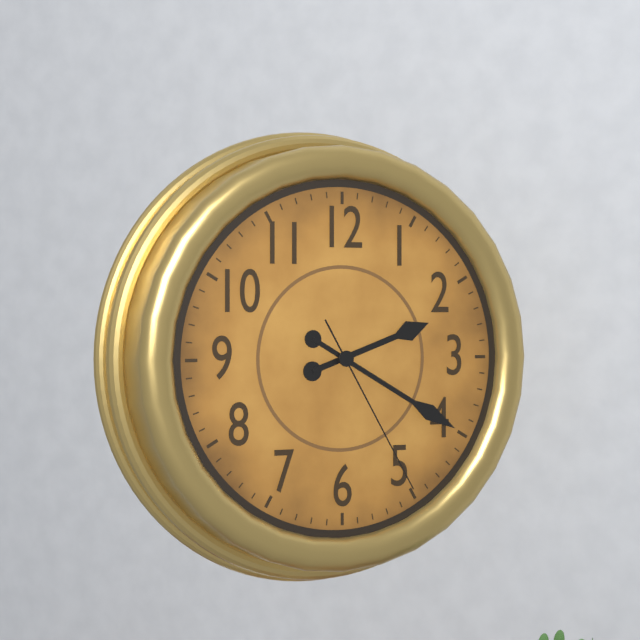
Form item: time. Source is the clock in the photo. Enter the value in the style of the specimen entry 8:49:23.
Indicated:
2:20:25
